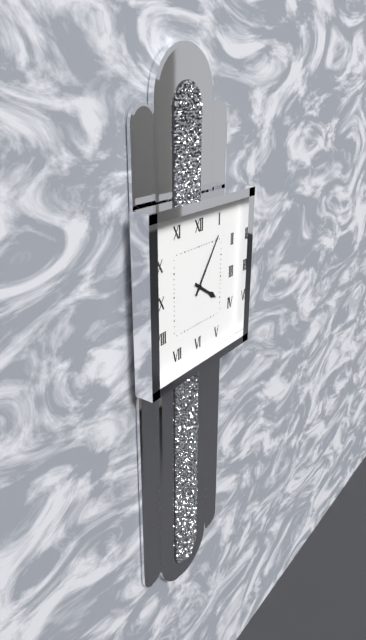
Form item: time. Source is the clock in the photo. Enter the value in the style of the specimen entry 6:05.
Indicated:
4:06
